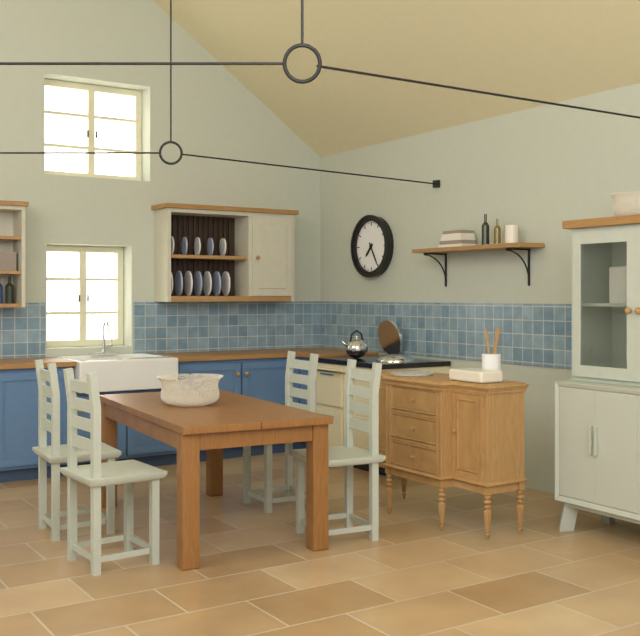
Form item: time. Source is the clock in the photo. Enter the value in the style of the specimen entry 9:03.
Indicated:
7:25
